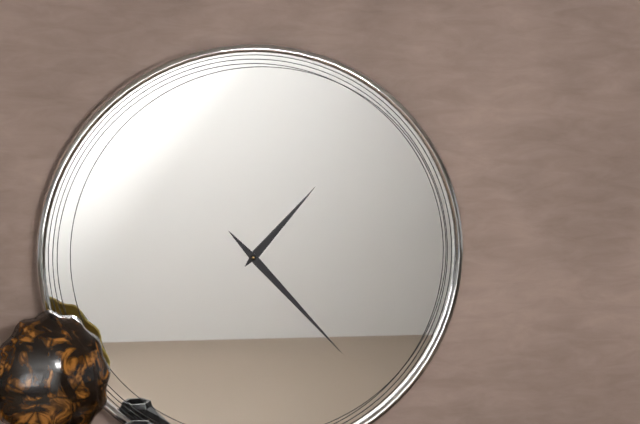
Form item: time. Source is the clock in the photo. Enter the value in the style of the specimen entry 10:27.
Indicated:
1:23
